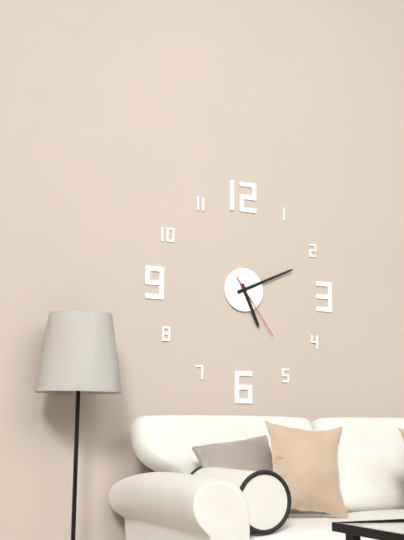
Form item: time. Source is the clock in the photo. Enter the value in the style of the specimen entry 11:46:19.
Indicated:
5:11:24
